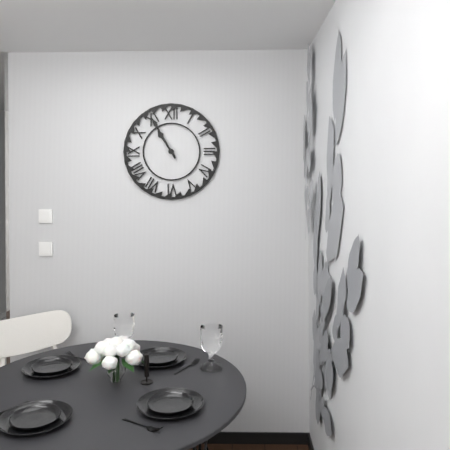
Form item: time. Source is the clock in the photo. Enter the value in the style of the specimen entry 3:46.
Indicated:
10:55
